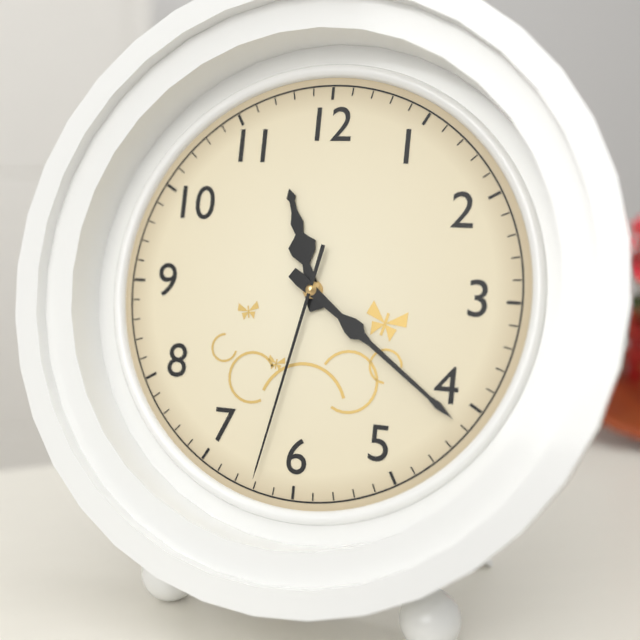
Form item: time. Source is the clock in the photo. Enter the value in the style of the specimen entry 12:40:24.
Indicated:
11:21:32
